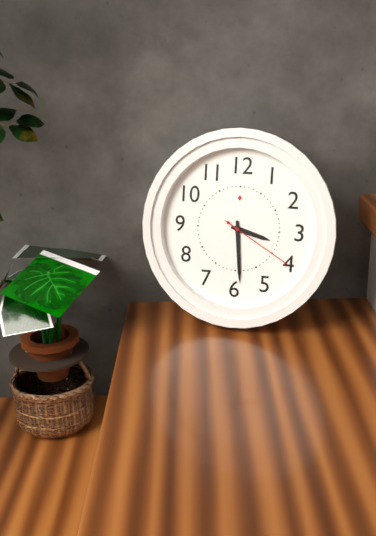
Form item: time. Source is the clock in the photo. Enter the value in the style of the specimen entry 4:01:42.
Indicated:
3:29:20
